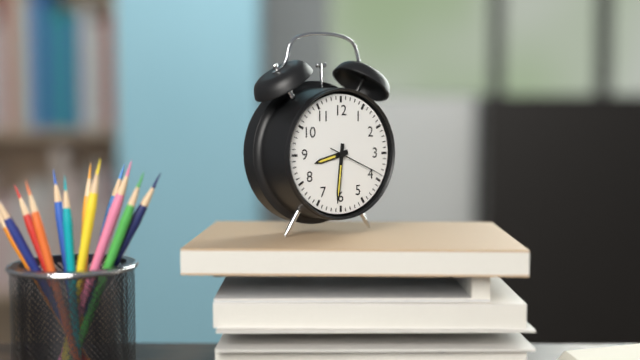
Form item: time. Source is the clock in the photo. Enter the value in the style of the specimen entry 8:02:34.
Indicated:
8:31:19
